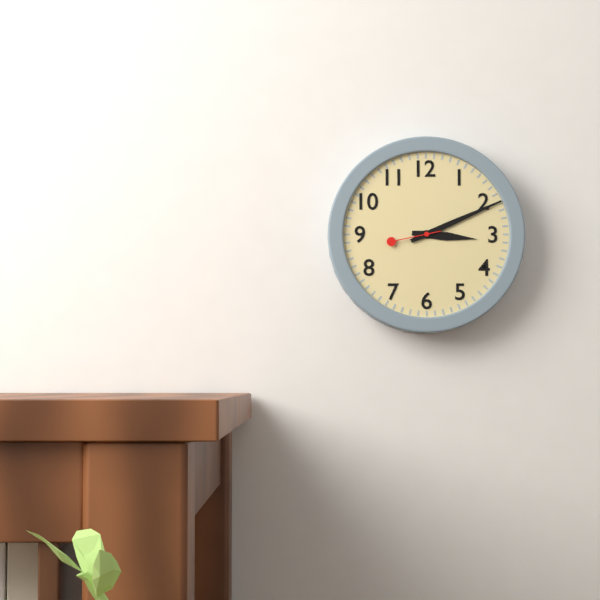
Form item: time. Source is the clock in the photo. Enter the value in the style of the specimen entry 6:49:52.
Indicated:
3:11:43
